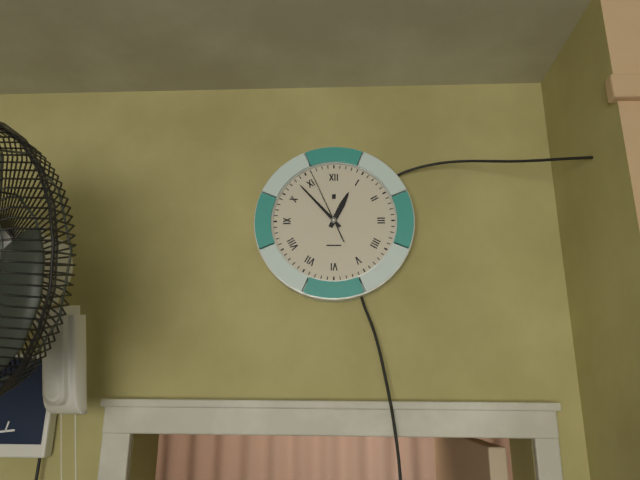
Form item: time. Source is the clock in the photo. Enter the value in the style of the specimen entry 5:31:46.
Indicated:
12:53:56
